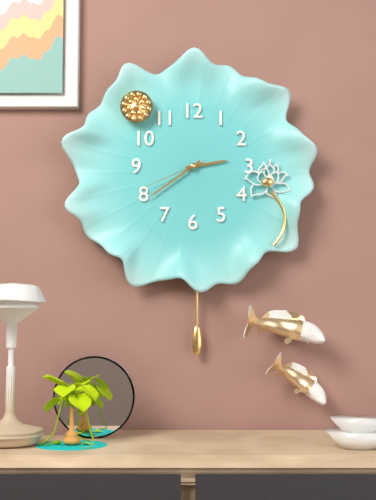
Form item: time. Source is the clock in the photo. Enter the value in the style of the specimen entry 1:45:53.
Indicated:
2:39:41
